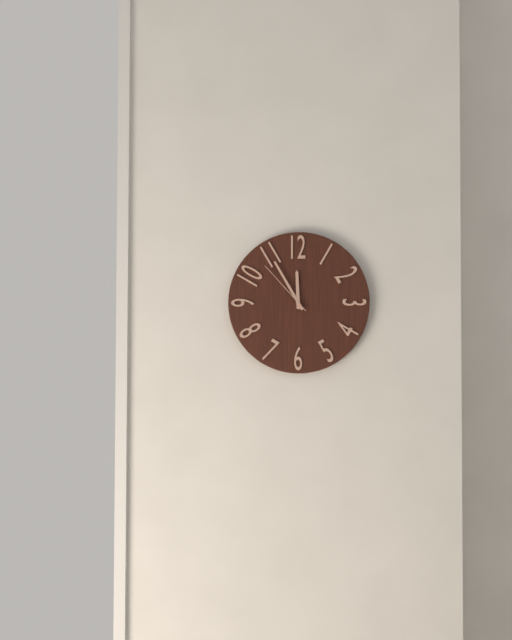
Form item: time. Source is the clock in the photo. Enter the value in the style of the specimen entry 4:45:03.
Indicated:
11:55:53
